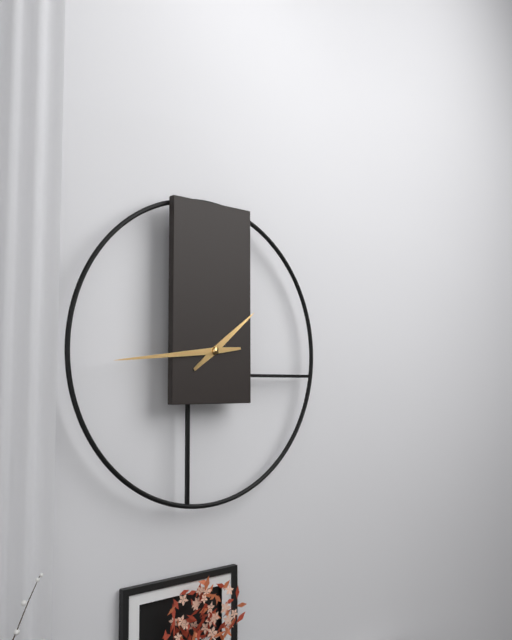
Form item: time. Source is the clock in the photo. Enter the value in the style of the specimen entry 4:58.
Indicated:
1:44
